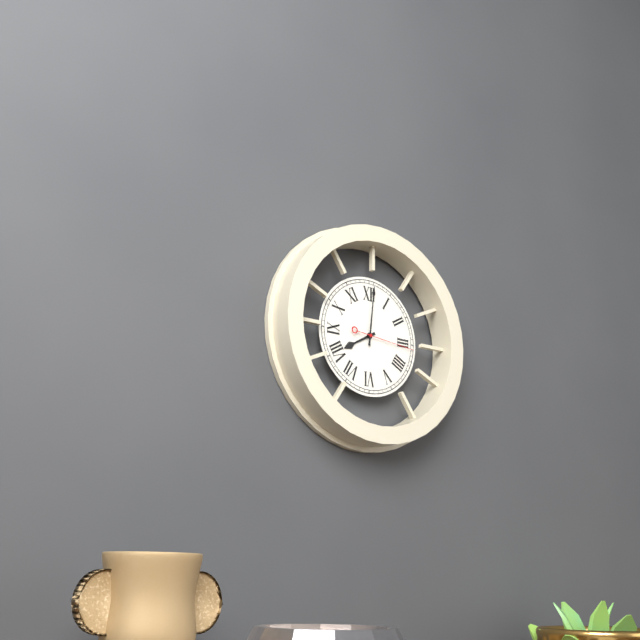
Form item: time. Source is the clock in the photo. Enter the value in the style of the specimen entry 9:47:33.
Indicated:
8:01:16
